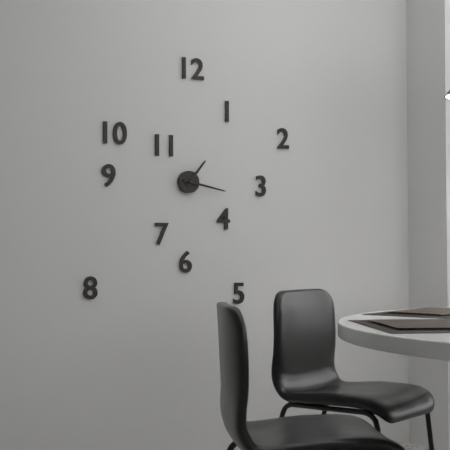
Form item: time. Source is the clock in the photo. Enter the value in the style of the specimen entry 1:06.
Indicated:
1:17
